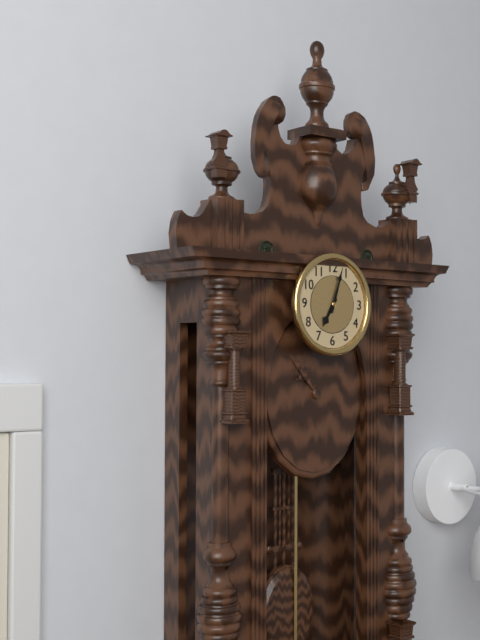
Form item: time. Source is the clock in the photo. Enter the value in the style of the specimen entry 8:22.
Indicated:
7:03
